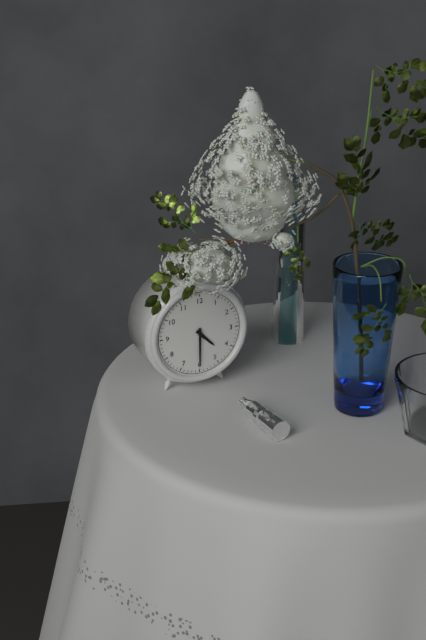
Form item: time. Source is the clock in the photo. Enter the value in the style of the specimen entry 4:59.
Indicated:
4:30
